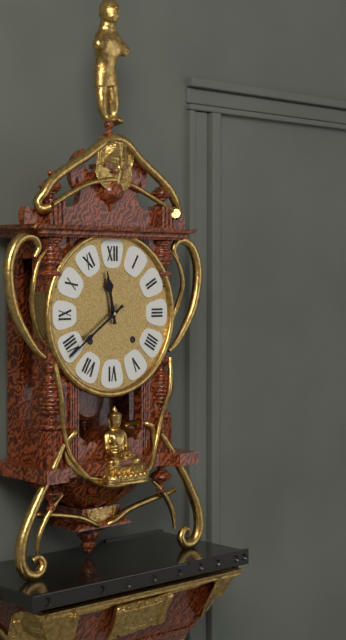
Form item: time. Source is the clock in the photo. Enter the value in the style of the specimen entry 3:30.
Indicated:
11:39
